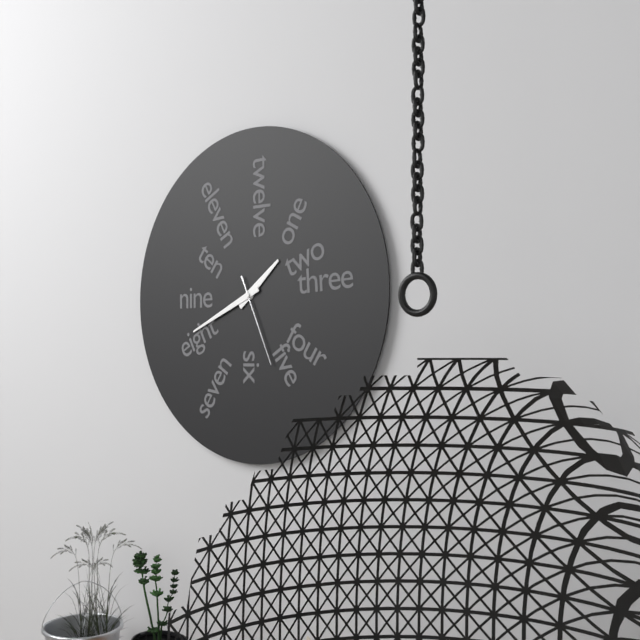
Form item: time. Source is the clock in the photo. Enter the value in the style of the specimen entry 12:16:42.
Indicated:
1:41:26
